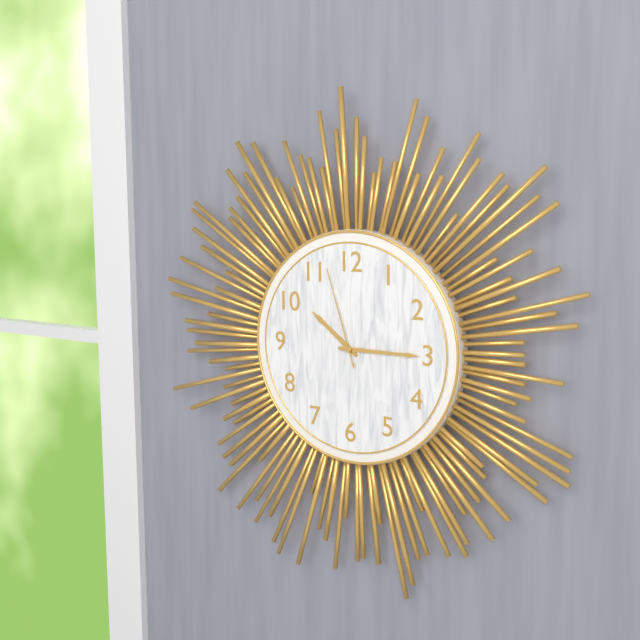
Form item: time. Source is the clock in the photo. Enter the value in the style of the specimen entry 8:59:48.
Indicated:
10:15:57
